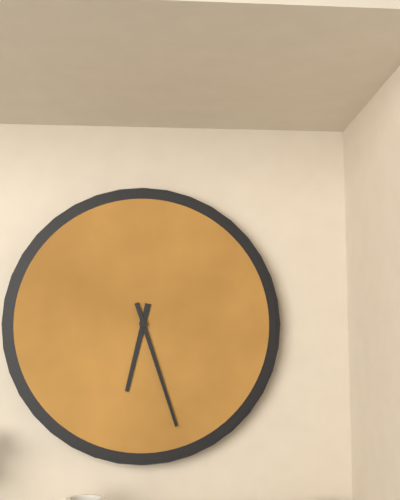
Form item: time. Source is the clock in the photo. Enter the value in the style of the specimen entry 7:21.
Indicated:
6:27
